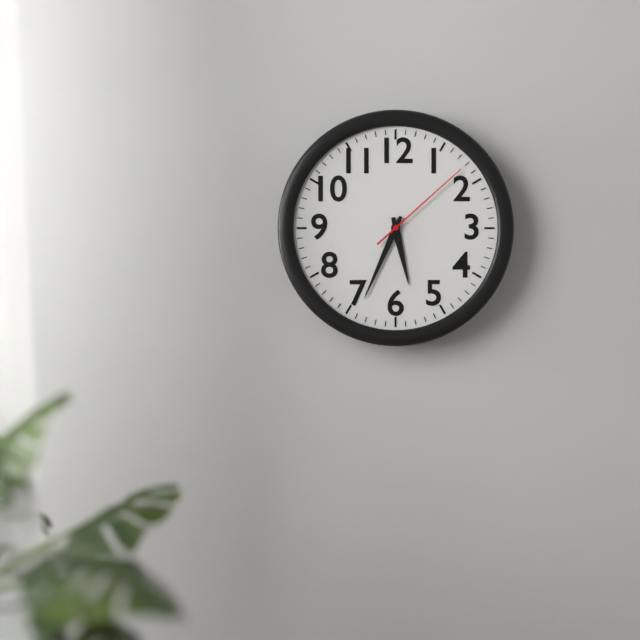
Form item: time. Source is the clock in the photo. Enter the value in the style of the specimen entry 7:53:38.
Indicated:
5:34:08
